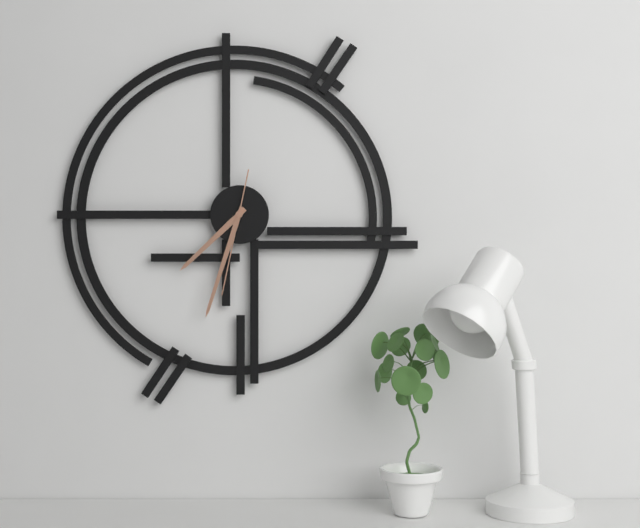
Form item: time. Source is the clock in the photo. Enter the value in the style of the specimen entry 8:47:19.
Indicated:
7:33:32
